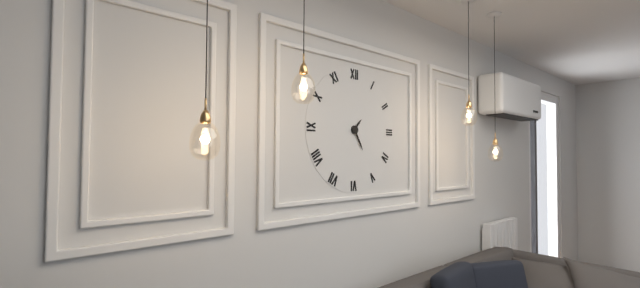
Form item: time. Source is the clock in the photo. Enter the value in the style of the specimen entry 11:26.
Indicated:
1:25
